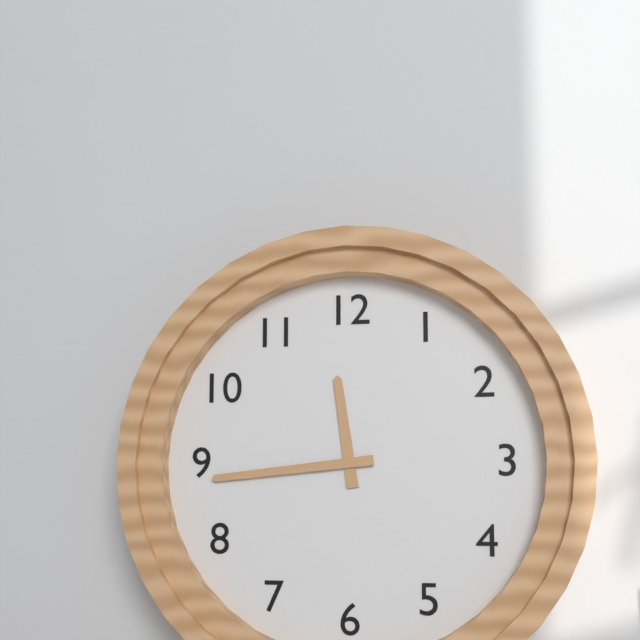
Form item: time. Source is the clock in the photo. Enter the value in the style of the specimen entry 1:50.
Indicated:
11:44
